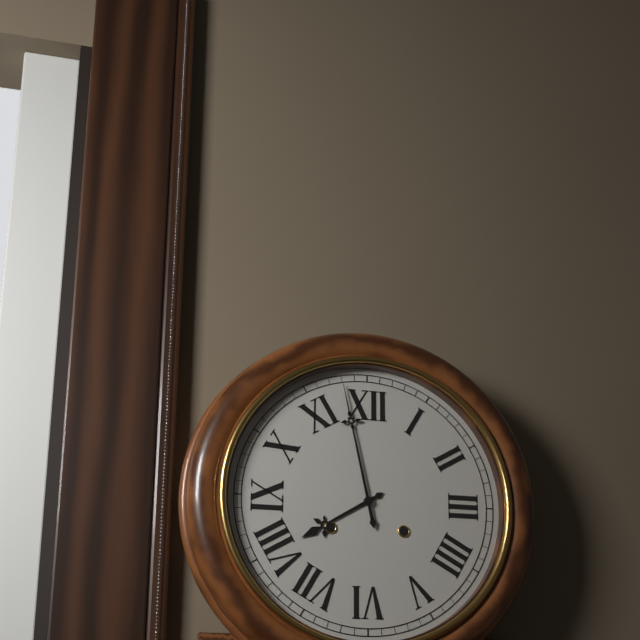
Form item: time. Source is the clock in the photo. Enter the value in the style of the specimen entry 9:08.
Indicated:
7:58
